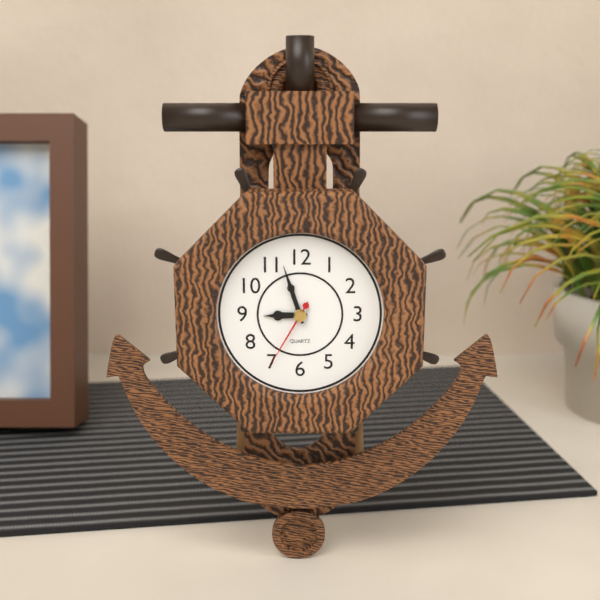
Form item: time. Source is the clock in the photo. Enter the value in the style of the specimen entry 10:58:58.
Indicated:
8:57:35
